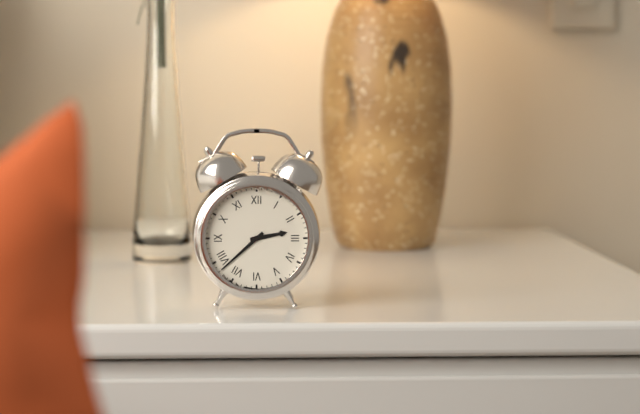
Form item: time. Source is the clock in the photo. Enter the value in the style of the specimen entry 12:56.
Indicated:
2:38
